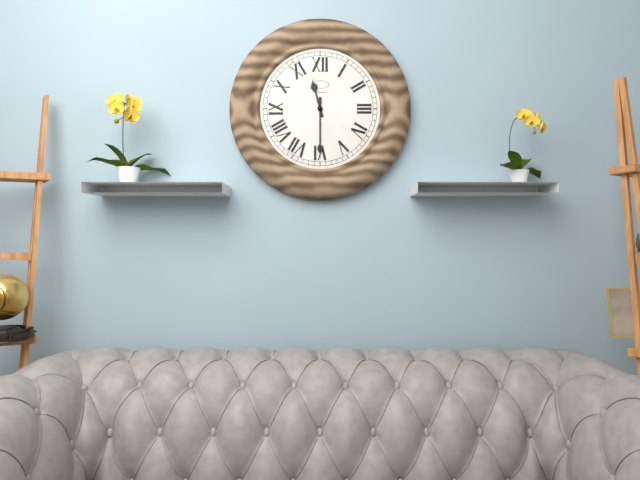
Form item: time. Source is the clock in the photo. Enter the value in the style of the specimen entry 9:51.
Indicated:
11:30
